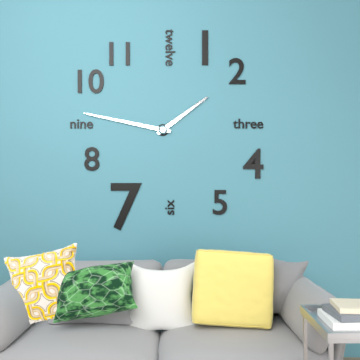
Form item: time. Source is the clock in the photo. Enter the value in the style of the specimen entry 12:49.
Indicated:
1:47
